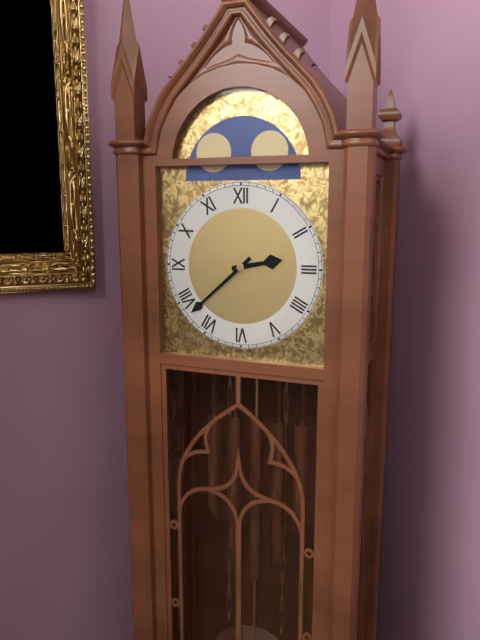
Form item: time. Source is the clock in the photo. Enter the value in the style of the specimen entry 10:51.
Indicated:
2:38
